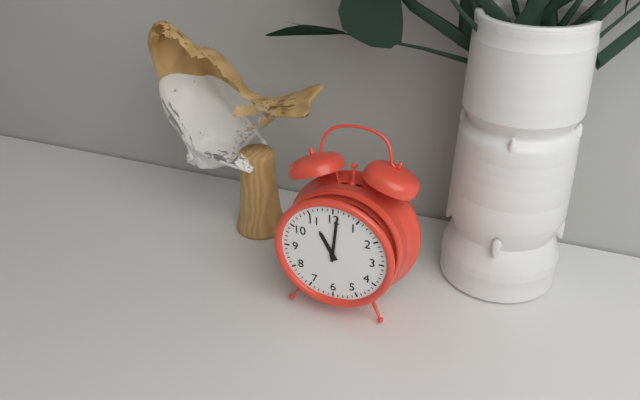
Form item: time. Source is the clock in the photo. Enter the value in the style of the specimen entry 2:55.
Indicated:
11:01
